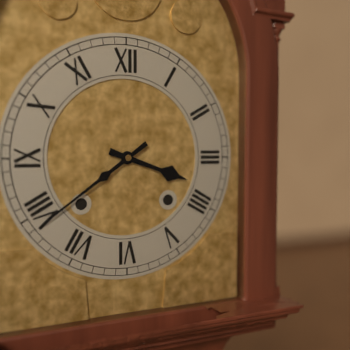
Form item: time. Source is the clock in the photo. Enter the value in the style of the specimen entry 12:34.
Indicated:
3:39
